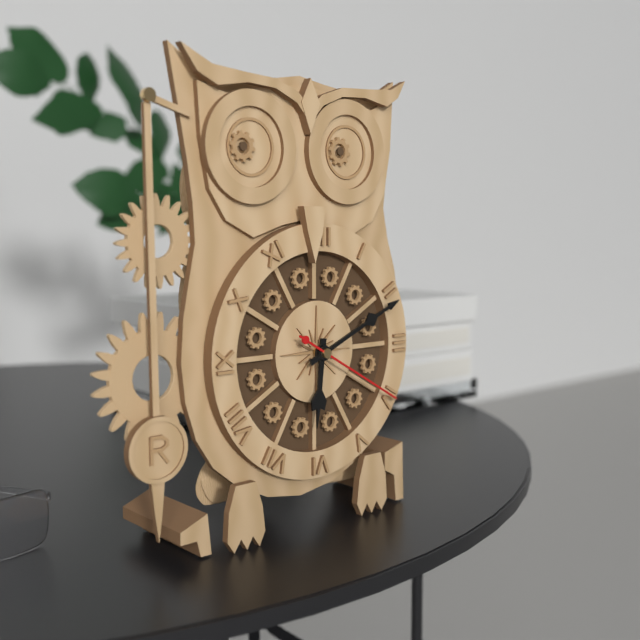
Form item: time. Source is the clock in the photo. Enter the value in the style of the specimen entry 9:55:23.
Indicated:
6:11:20
